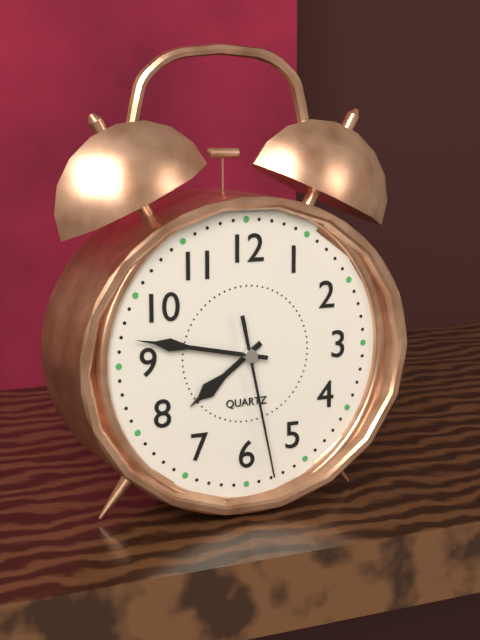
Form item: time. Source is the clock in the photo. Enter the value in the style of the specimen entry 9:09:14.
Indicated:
7:47:28
